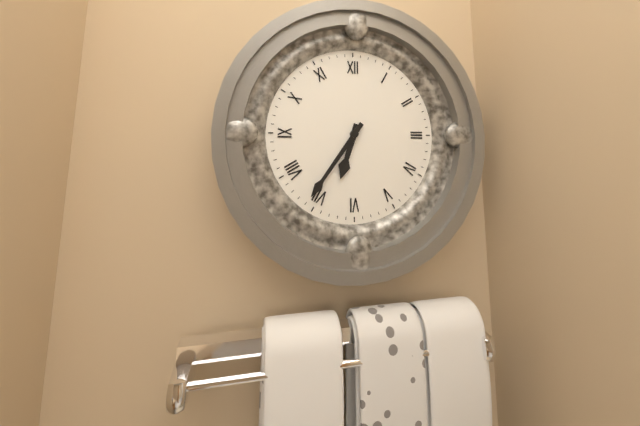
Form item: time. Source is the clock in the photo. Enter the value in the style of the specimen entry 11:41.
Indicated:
6:36
